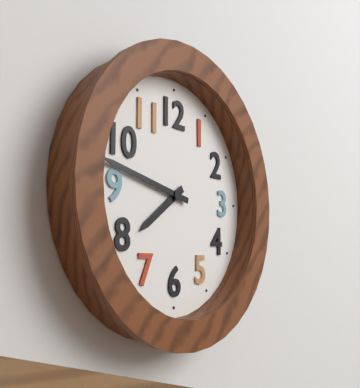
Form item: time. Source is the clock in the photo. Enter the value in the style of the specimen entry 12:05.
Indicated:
7:47
